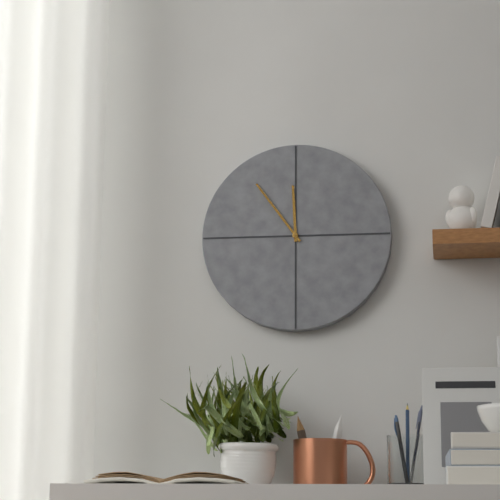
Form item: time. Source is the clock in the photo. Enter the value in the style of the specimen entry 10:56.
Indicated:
11:54
